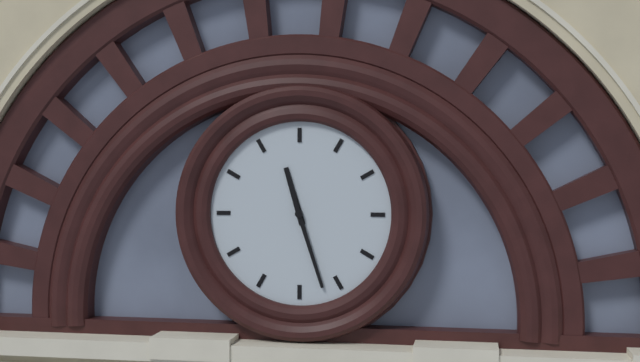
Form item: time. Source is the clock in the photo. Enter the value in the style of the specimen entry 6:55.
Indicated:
11:27
